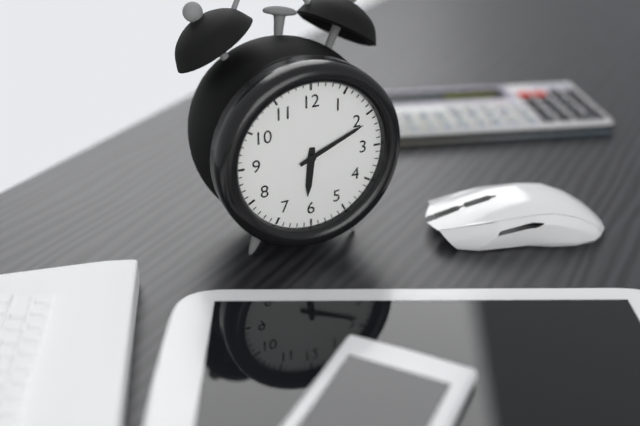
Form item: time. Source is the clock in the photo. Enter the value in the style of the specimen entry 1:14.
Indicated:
6:11
